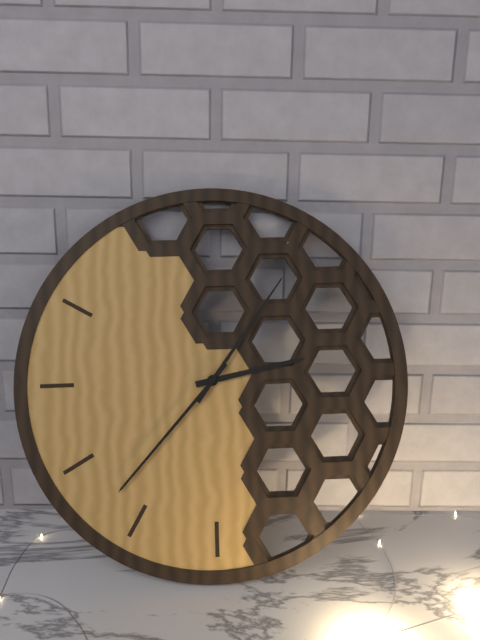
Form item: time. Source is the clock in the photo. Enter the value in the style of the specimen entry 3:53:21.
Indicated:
2:37:06
